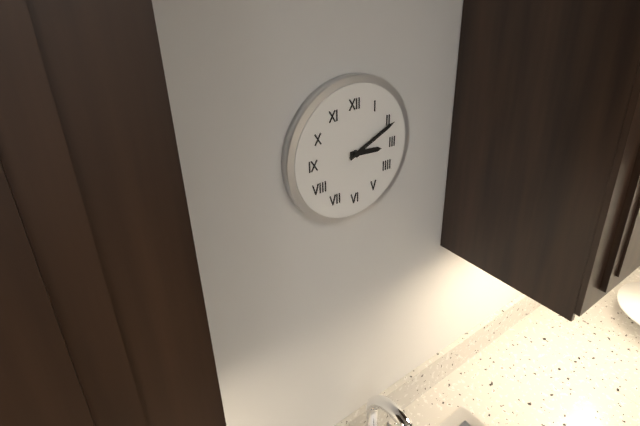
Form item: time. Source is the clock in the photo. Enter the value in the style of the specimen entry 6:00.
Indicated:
3:11
